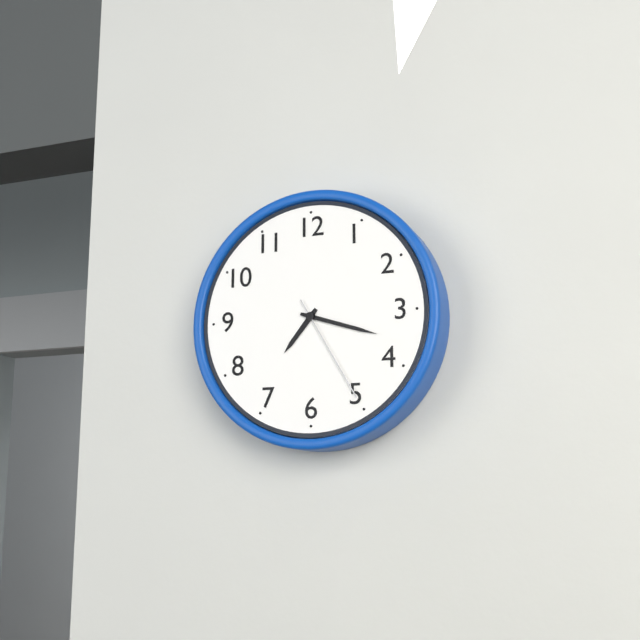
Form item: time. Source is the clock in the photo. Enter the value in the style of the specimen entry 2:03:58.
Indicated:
7:18:25
